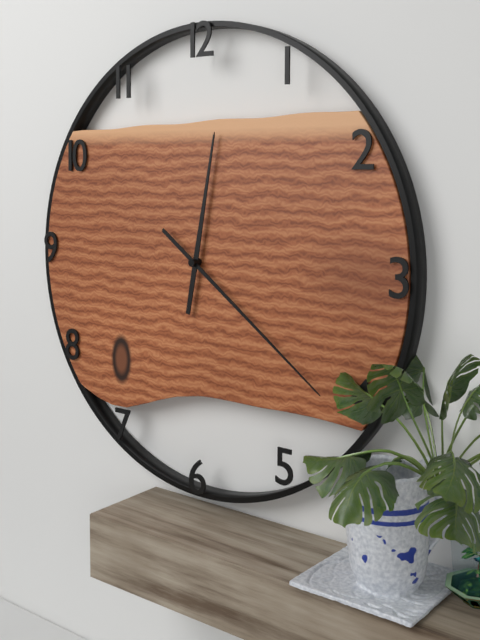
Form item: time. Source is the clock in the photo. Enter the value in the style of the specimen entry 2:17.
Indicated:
12:21
